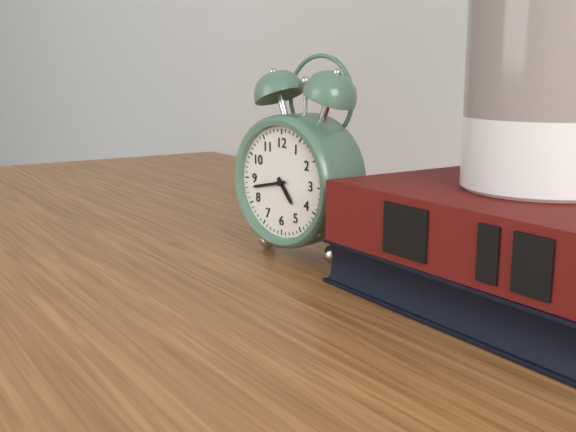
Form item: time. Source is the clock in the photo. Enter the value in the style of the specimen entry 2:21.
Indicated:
4:43
